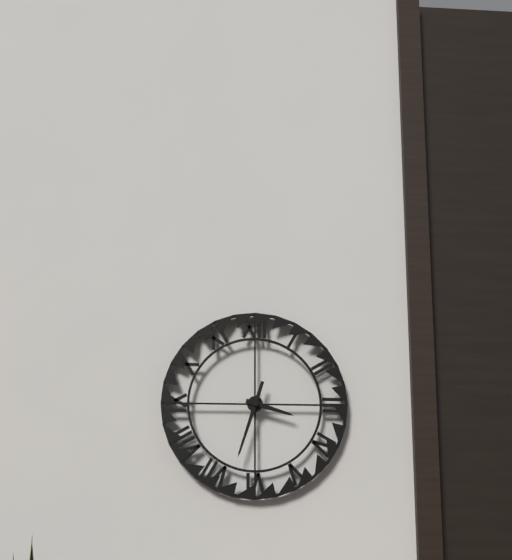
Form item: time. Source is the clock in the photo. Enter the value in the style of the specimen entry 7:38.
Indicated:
3:33
